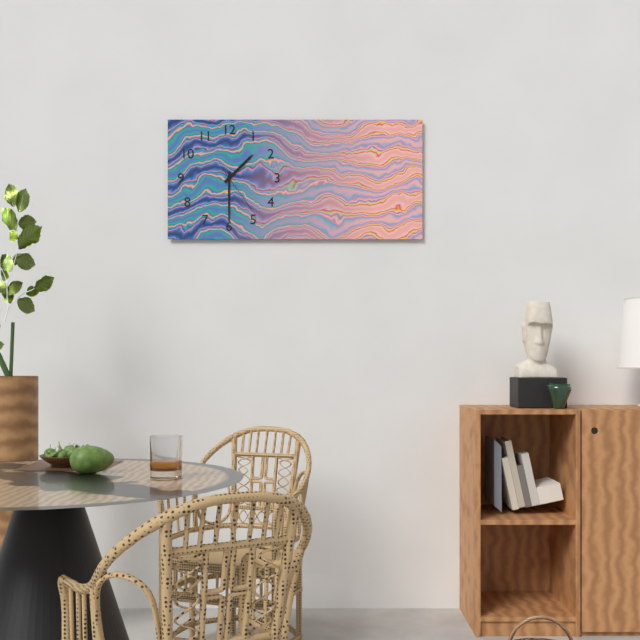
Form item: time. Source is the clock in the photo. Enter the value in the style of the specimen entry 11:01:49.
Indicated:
1:30:24
